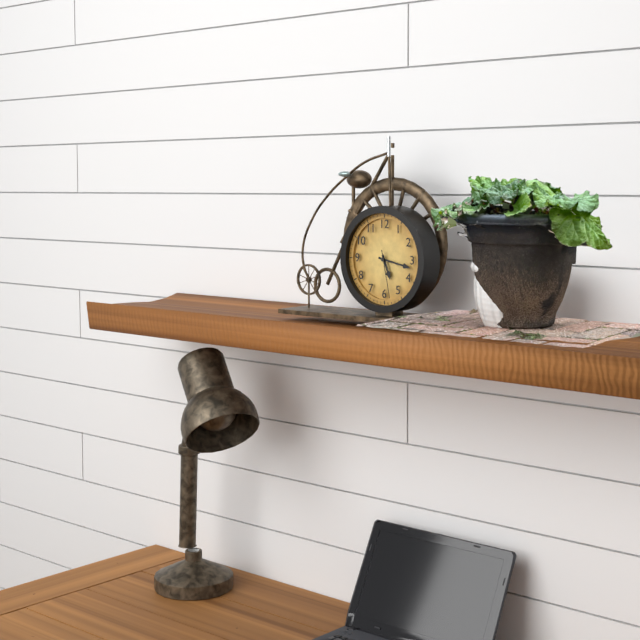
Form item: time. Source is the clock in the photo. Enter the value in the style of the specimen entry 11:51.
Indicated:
5:17
